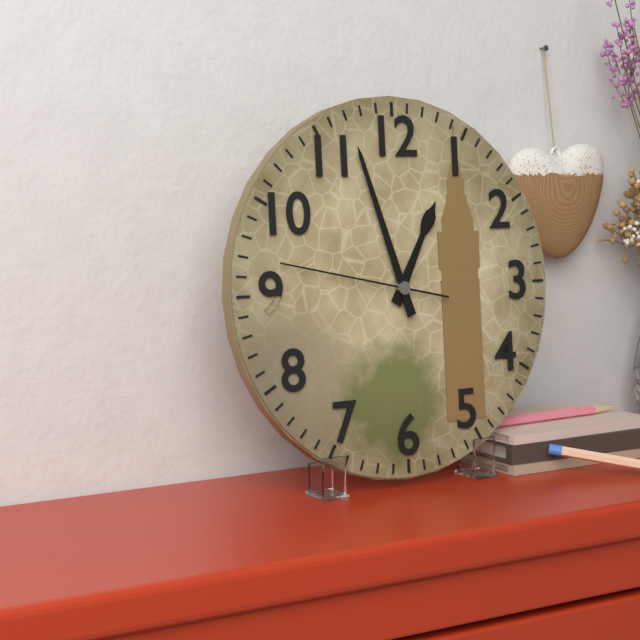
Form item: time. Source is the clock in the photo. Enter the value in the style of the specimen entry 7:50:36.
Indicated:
12:57:47
